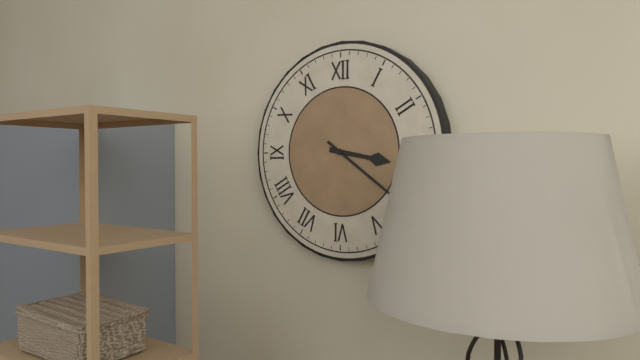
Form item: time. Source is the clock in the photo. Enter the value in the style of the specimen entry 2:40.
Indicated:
3:21
